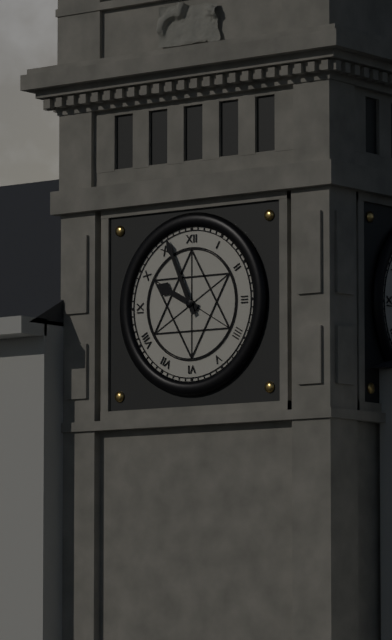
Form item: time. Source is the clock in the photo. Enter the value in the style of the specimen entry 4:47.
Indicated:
9:56
